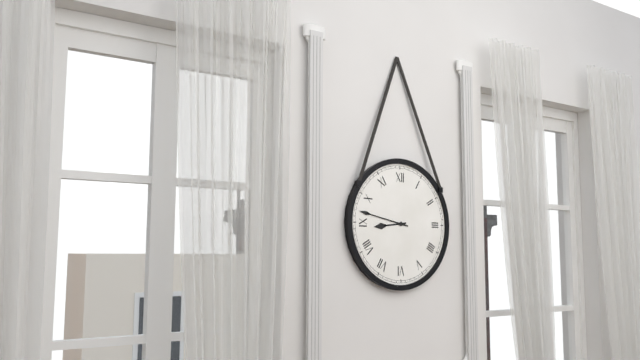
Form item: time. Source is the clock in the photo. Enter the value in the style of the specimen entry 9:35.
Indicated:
8:47
